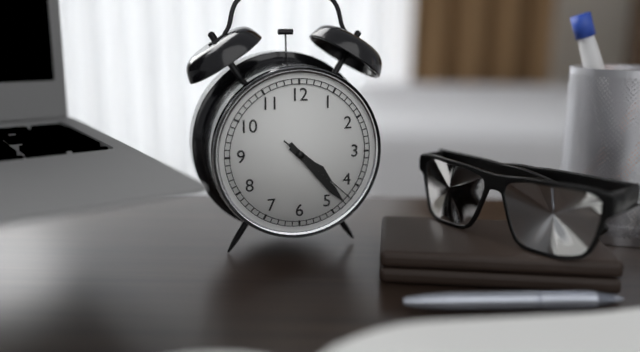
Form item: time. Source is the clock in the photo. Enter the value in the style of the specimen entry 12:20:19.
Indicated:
4:23:22
